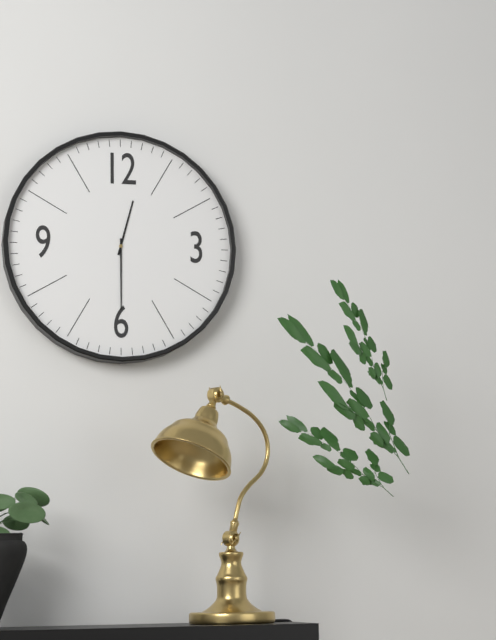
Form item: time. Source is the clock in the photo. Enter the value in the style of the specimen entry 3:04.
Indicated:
12:30
